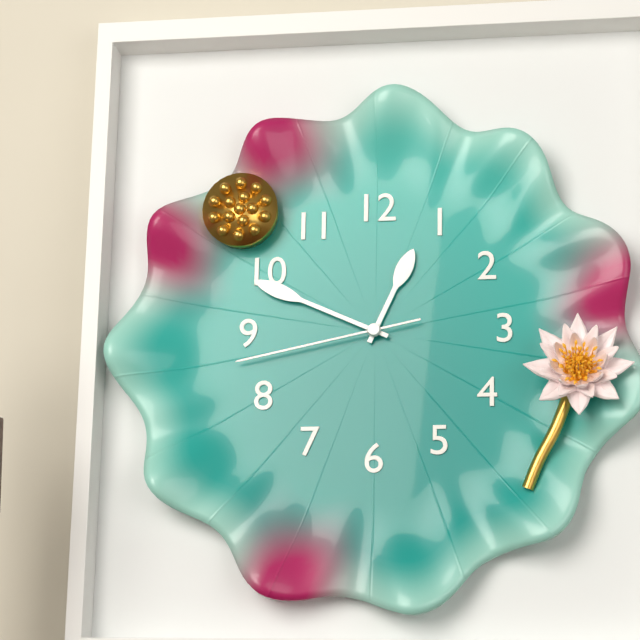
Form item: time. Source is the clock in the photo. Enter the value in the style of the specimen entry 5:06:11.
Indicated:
12:49:43
